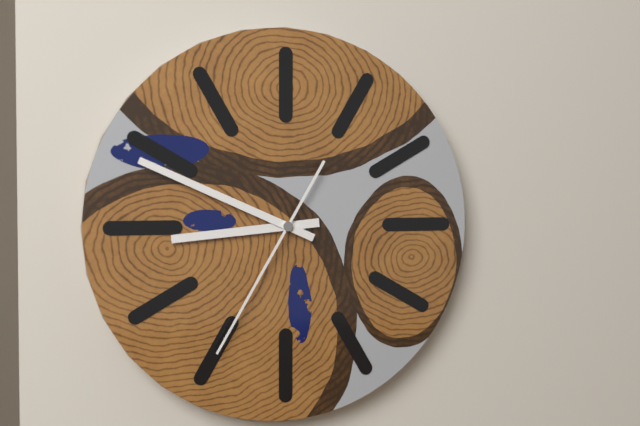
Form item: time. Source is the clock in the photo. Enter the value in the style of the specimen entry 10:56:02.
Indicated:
8:49:35
